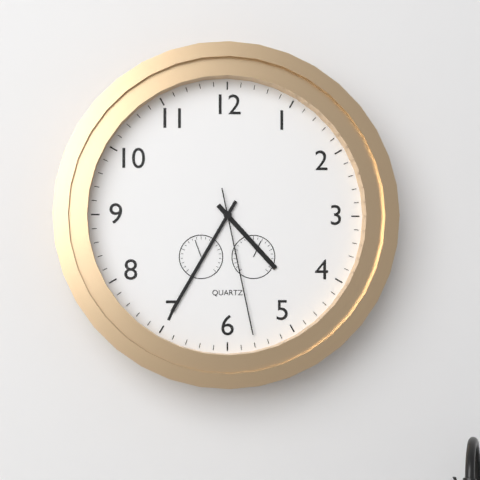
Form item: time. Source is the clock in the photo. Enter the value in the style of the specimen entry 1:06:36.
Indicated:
4:35:28
